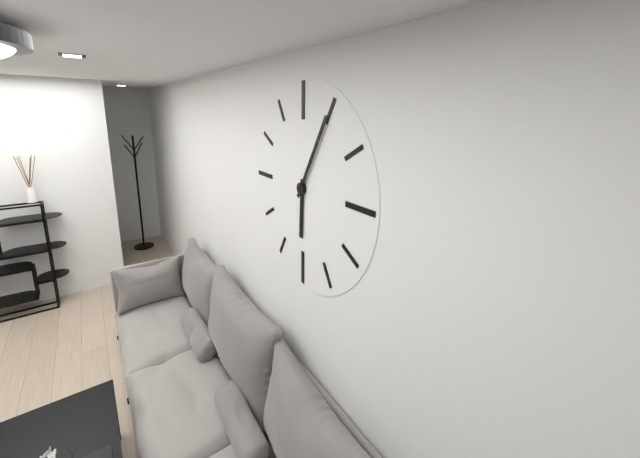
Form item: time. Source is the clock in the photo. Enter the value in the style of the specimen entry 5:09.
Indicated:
6:05
